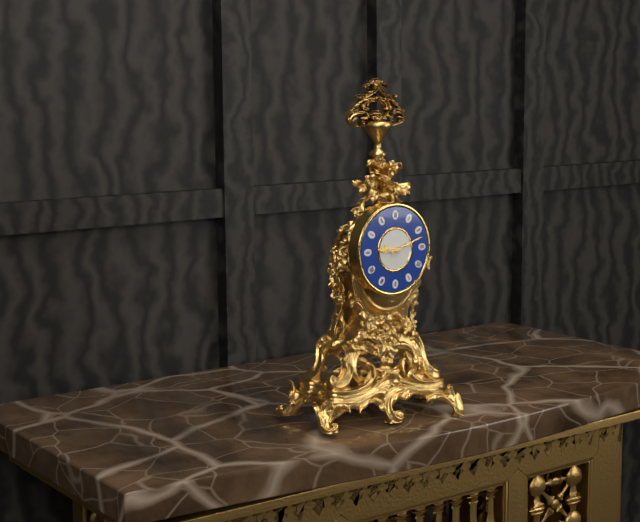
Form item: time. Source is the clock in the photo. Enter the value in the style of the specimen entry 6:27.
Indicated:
9:12
